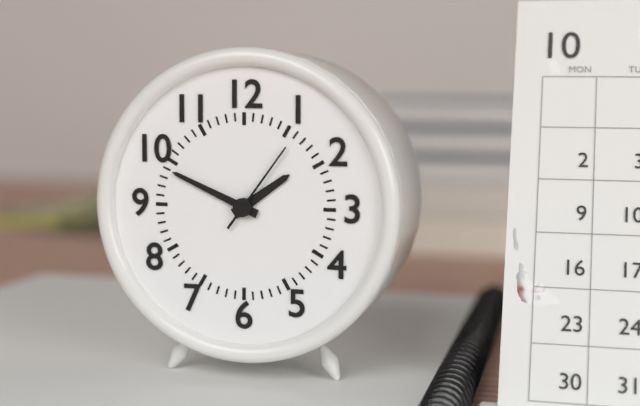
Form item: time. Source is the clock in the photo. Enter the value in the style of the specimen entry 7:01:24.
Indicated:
1:49:06
